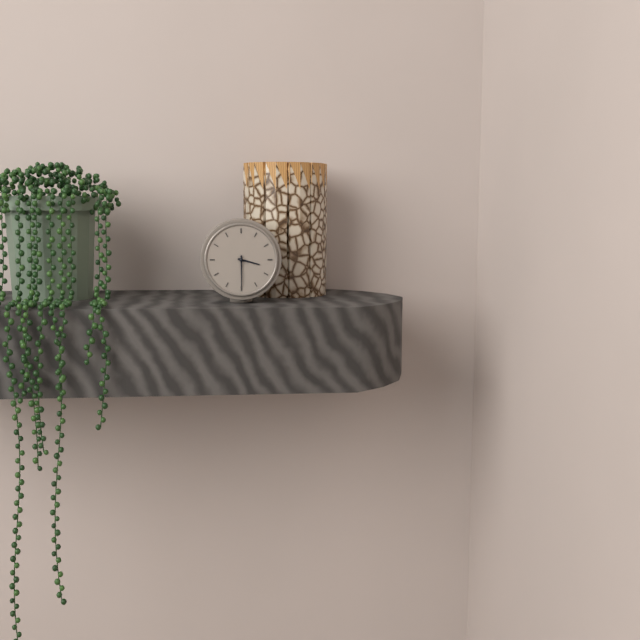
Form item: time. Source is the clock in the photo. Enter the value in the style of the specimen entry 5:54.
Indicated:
3:30
